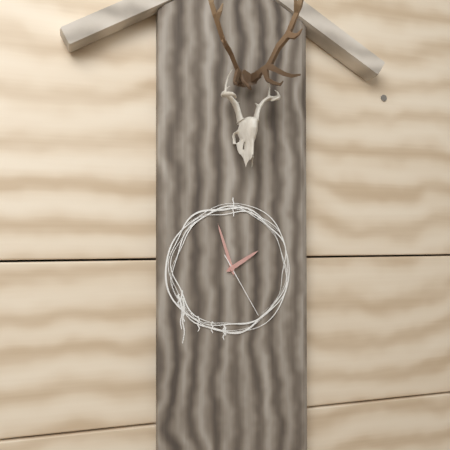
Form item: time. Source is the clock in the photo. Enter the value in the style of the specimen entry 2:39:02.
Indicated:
1:57:25
